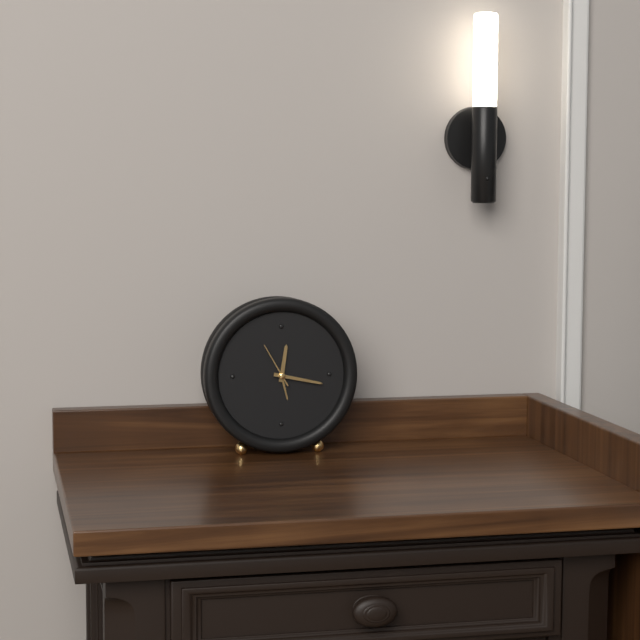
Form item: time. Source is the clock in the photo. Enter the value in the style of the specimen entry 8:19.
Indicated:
12:17
